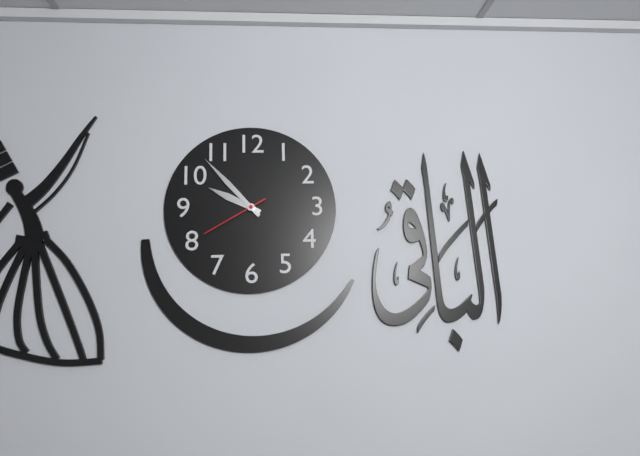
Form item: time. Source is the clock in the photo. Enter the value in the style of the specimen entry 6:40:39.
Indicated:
9:53:40
